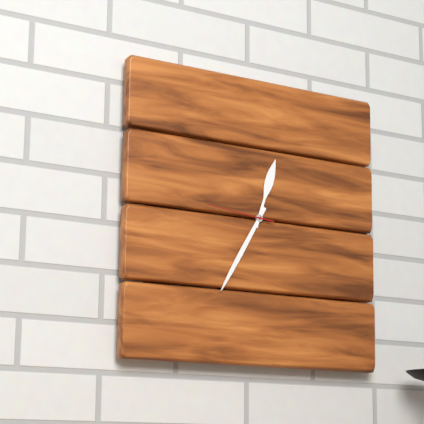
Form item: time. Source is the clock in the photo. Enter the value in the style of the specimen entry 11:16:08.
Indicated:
12:35:46
